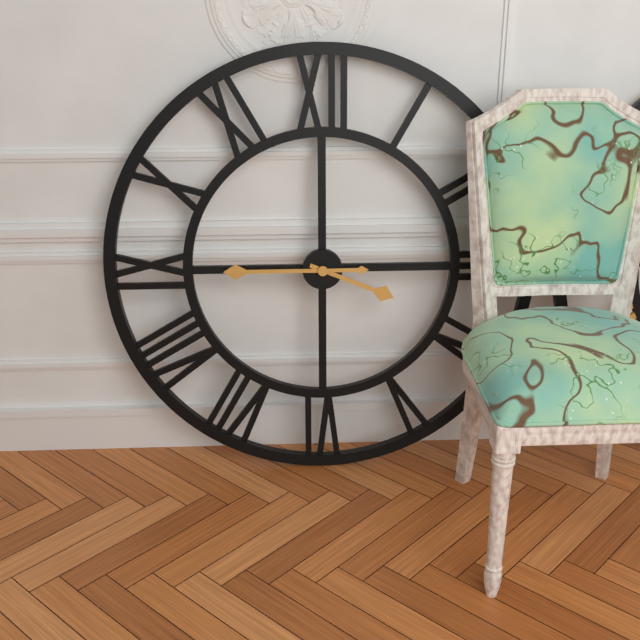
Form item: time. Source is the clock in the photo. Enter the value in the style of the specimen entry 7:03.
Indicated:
3:45
